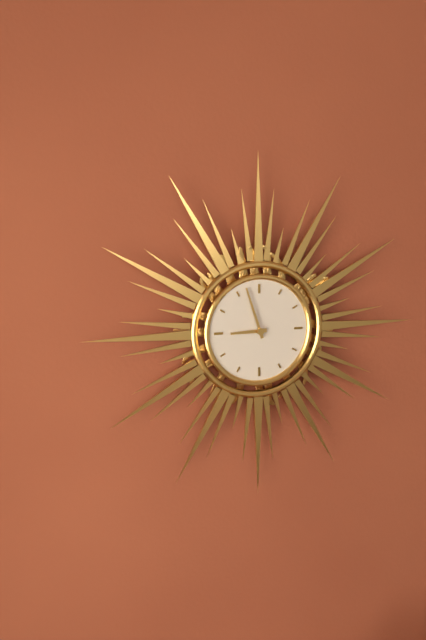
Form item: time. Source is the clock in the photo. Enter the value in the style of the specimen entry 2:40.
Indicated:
8:57
